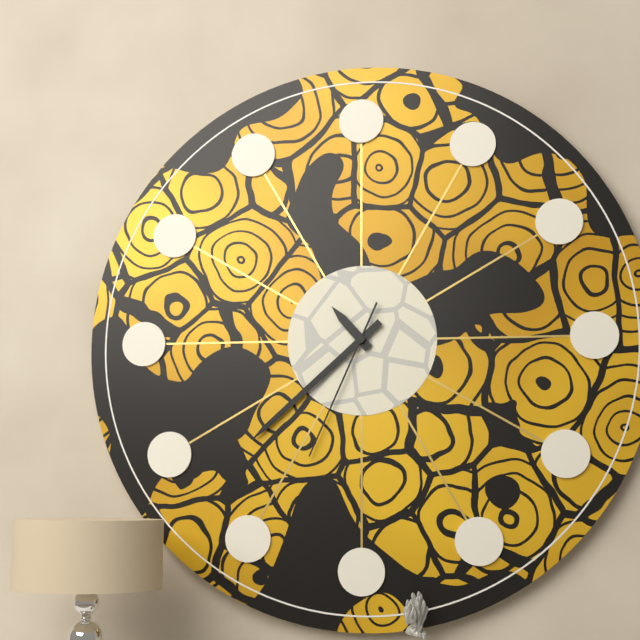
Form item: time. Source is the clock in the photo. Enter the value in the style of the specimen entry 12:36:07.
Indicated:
10:38:34
